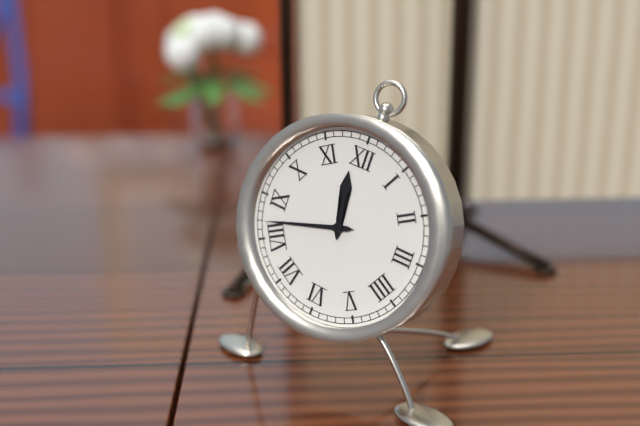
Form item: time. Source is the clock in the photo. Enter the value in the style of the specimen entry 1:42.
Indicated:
11:42
